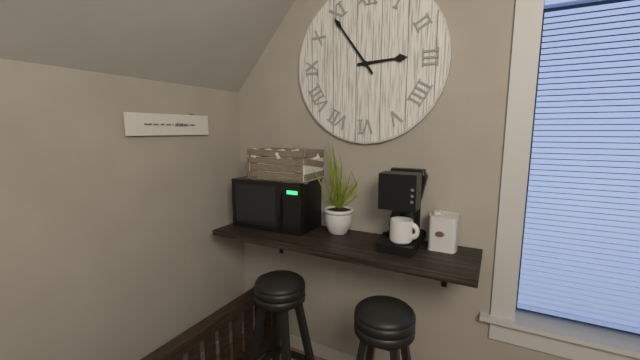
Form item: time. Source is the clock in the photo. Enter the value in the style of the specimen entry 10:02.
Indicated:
2:54
